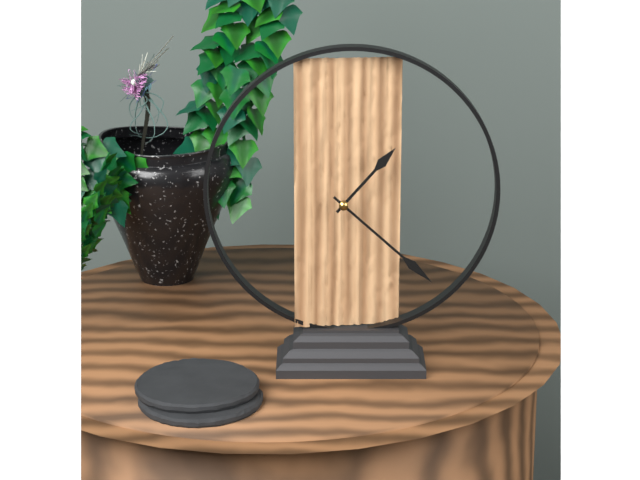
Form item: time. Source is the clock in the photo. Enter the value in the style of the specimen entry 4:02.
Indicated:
1:22
